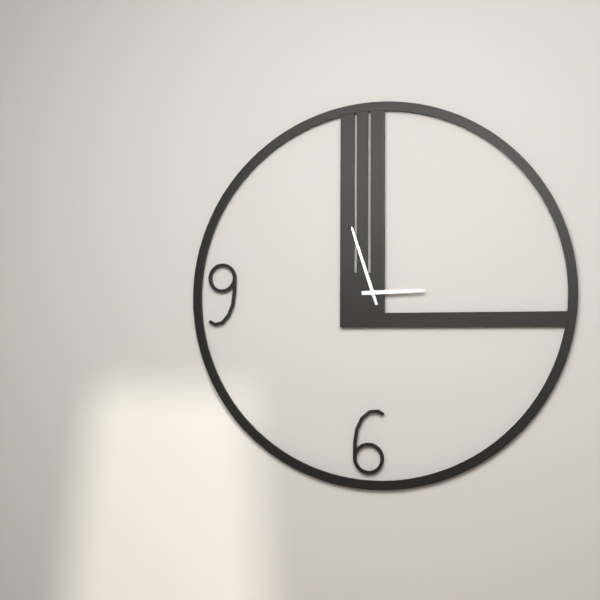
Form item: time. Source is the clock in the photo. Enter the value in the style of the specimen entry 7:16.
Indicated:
2:57
